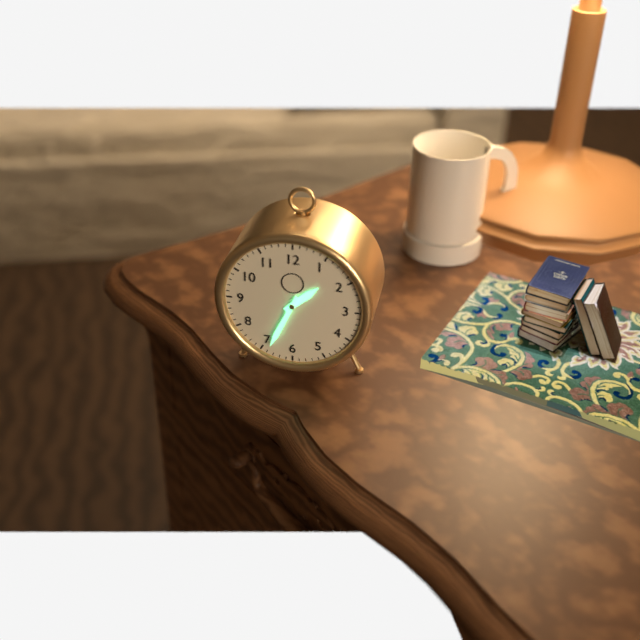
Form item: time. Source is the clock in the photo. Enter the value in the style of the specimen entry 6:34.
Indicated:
1:34
